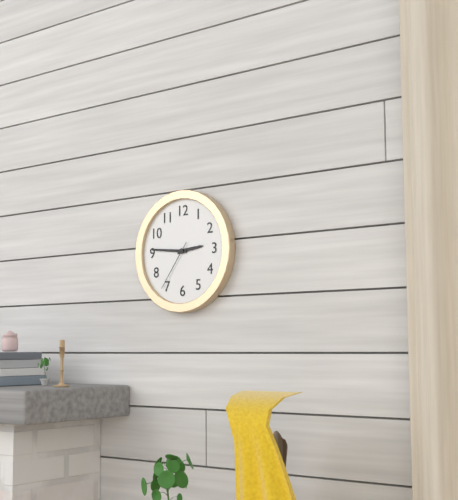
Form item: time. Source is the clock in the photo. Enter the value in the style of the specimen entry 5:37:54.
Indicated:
2:46:36
